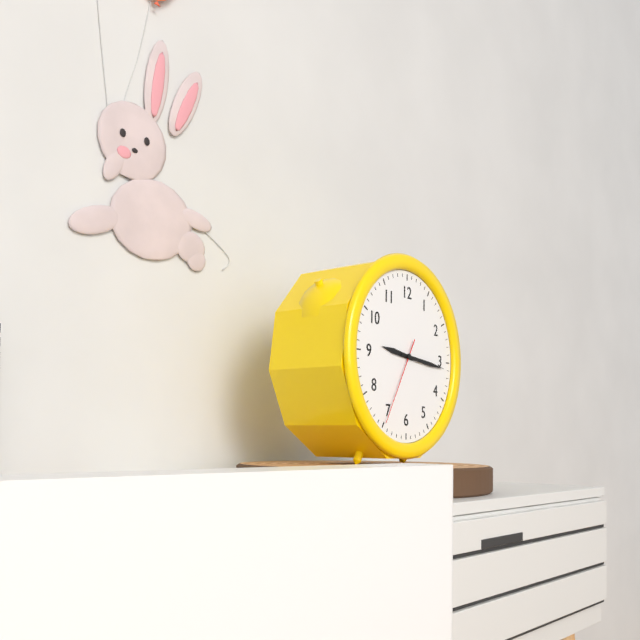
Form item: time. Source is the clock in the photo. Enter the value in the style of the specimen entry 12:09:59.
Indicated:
9:16:35
